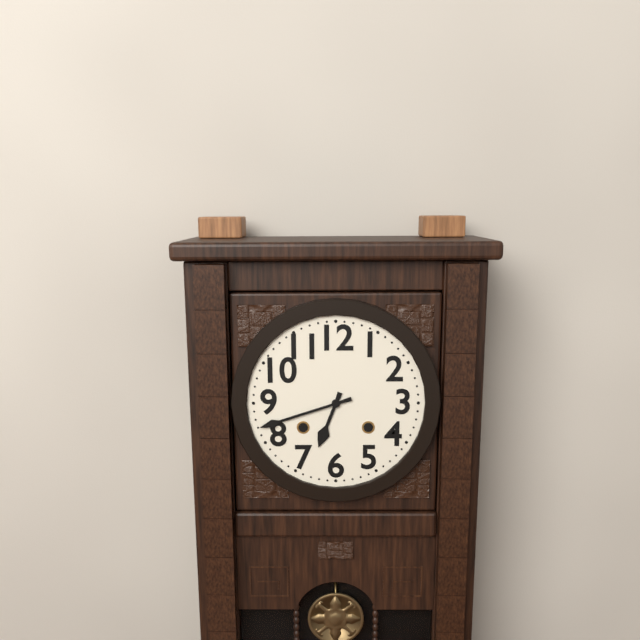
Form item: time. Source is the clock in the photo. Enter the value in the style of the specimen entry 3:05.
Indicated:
6:42
